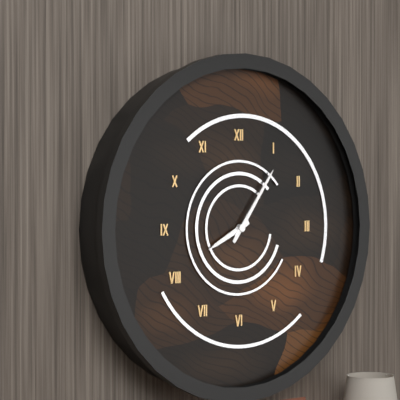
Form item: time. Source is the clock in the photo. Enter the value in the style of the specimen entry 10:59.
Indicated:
8:06
